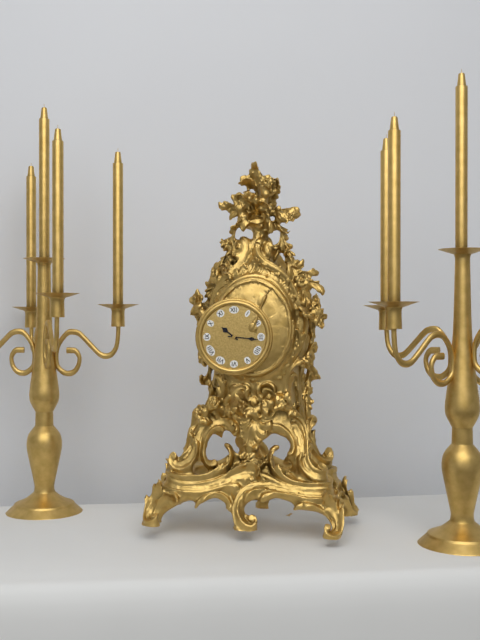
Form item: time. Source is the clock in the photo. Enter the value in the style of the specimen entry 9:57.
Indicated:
10:16
